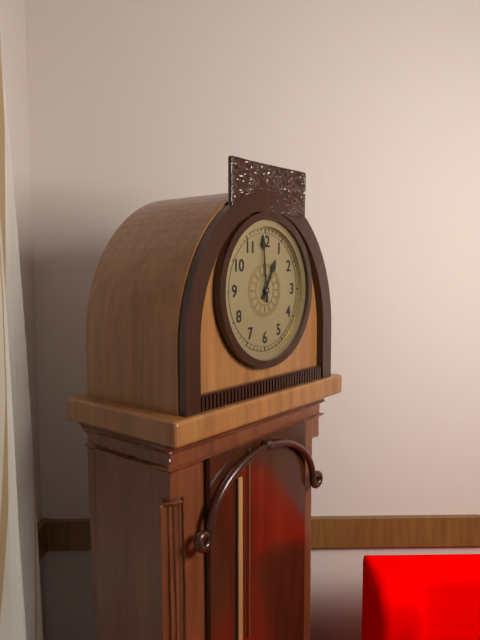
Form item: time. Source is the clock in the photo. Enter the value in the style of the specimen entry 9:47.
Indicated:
12:59
